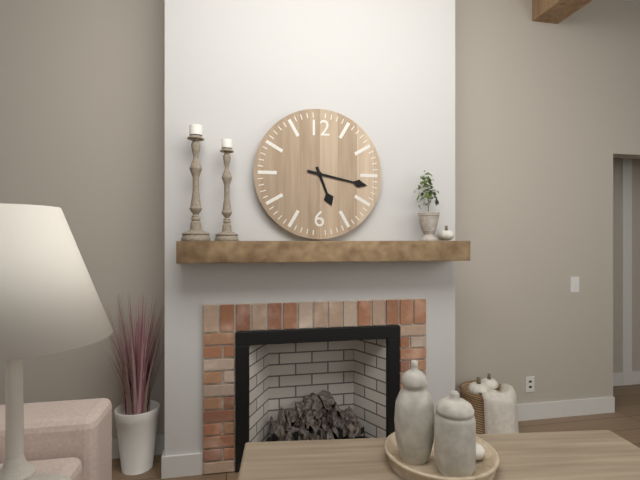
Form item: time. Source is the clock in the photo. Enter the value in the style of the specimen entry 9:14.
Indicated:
5:17
